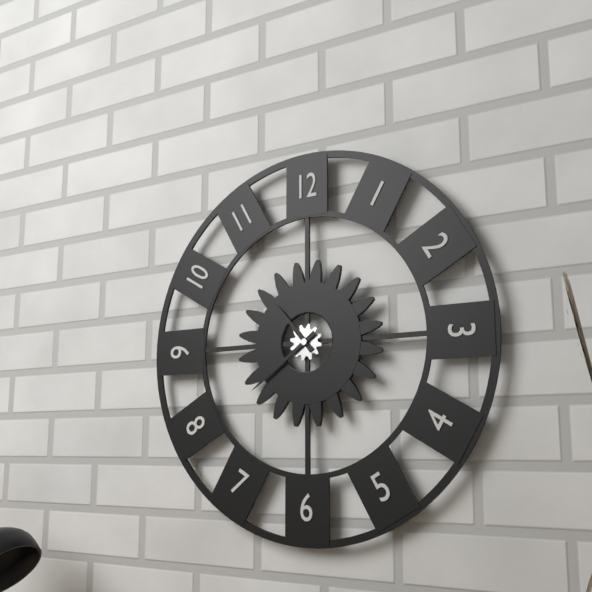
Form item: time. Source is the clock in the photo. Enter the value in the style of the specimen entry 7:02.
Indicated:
10:39
